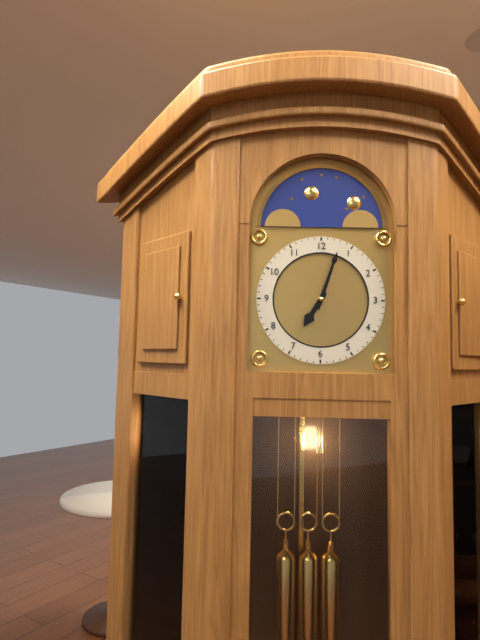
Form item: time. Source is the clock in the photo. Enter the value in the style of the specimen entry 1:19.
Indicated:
7:03
